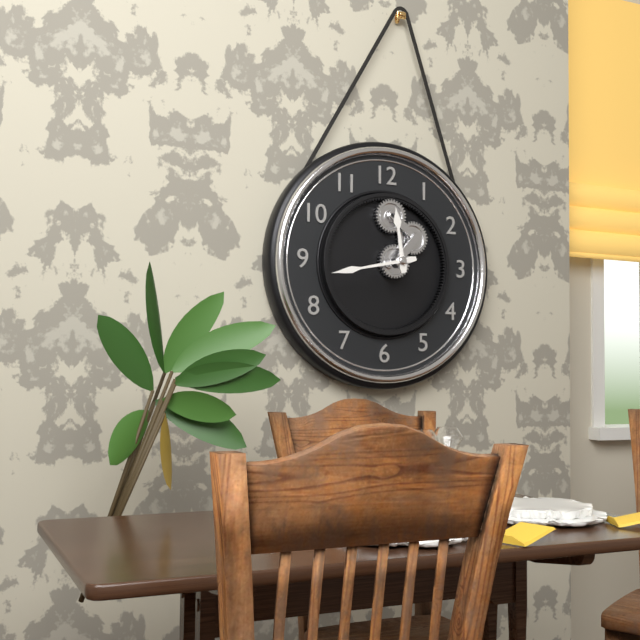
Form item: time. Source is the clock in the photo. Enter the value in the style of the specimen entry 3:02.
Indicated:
11:43
